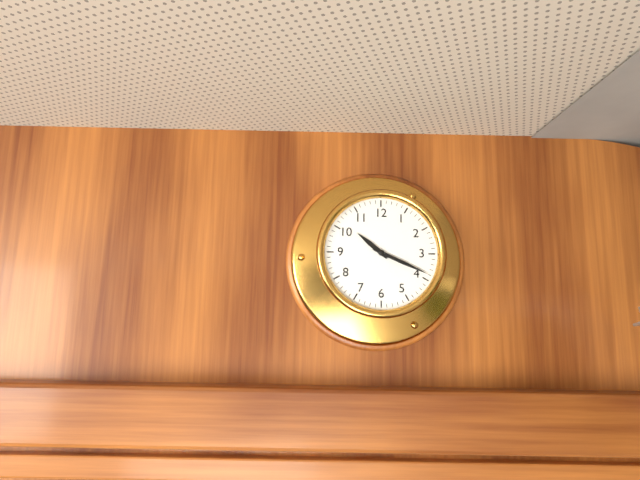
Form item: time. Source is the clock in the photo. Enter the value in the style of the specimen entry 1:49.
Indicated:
10:19
